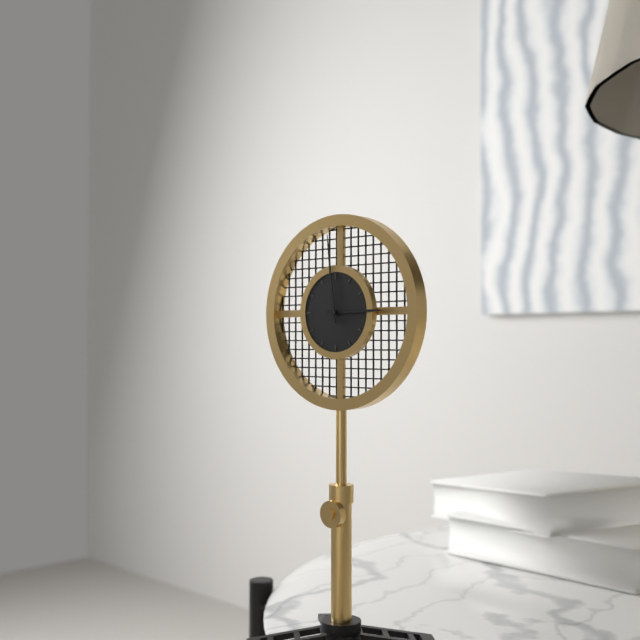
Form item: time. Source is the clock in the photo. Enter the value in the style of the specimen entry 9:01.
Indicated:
2:59
